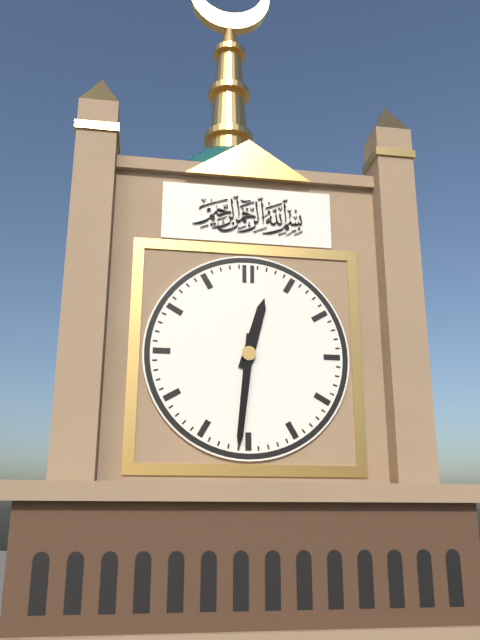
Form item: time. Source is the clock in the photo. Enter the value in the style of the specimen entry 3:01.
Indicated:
12:31
